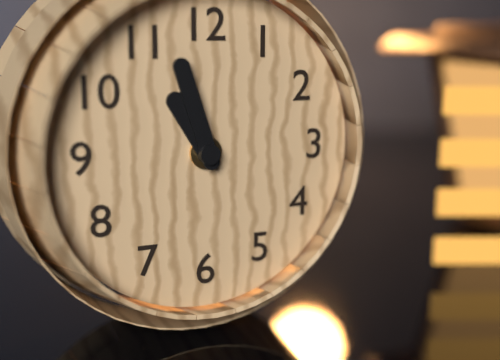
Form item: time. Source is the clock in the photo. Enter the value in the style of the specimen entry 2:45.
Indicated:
10:57
